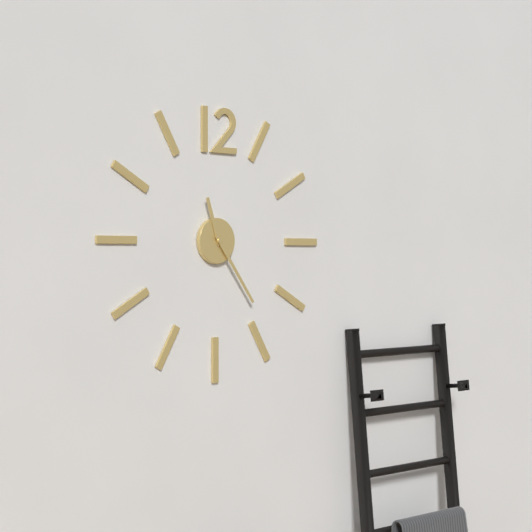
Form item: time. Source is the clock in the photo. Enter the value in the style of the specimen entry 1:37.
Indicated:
11:24
